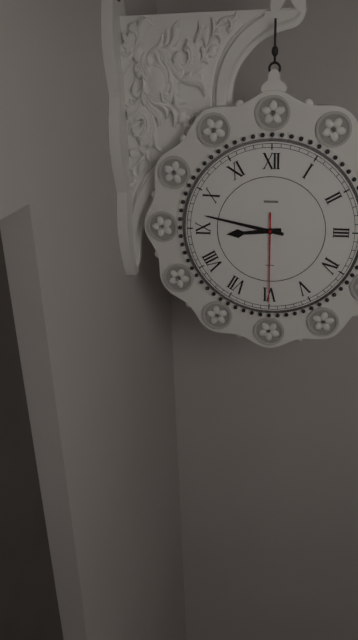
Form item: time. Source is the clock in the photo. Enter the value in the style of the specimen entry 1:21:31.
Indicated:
8:47:30
